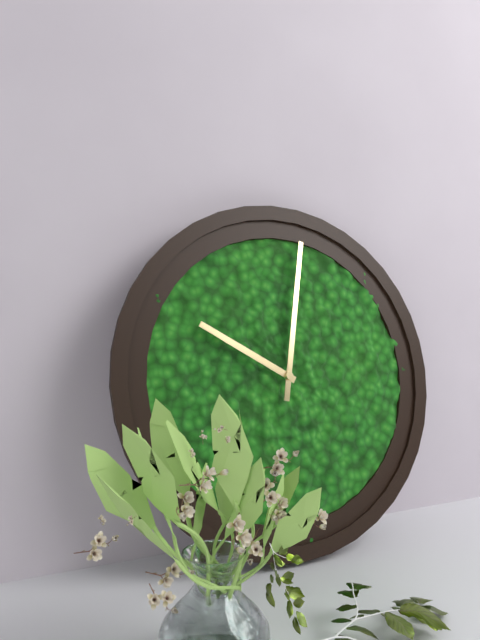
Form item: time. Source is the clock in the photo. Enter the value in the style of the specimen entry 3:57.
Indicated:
10:02
